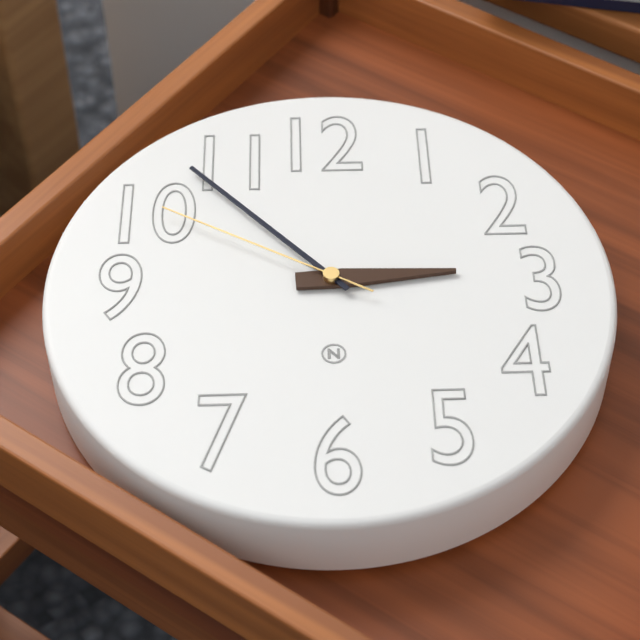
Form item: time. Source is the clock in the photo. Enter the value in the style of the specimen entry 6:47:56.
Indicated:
2:53:50
